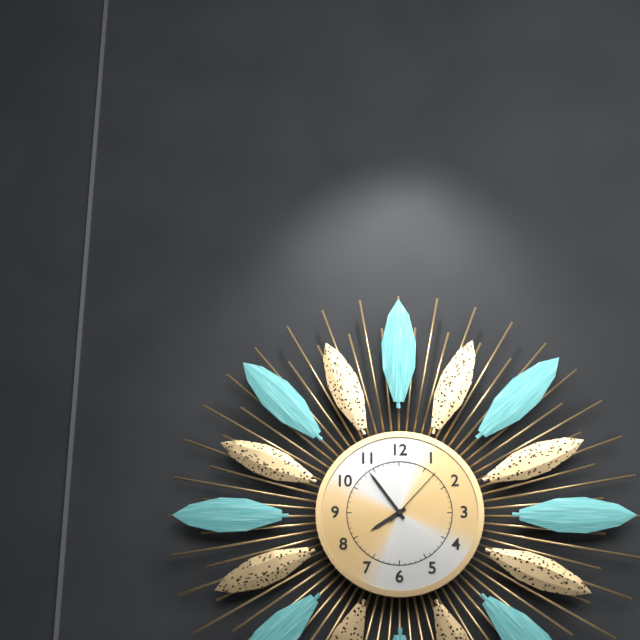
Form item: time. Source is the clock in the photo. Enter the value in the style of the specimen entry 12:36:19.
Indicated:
7:54:07
